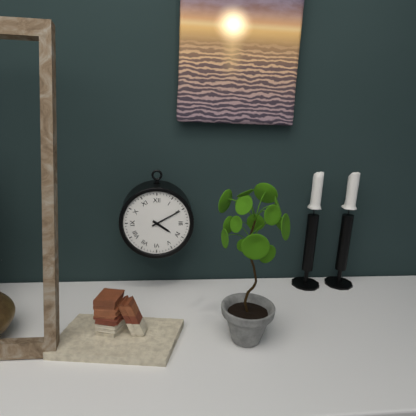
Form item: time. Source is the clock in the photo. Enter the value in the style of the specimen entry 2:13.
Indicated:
4:10
